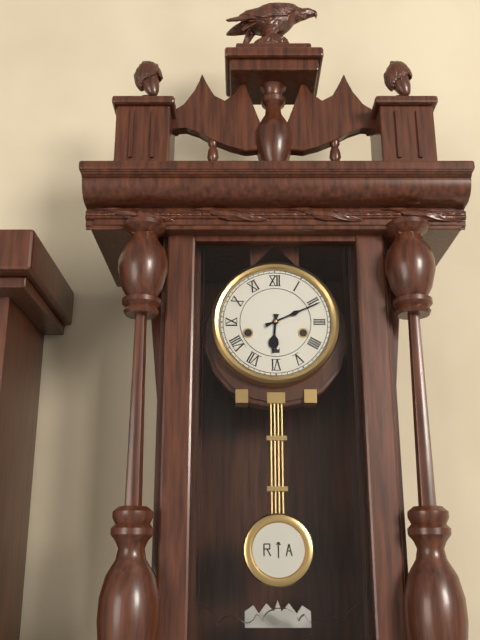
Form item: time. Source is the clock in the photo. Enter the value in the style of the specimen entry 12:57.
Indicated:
6:11
